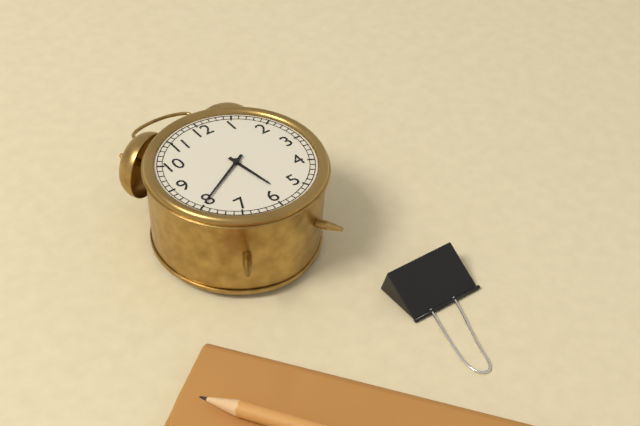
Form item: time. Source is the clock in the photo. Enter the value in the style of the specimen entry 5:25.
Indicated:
5:40
